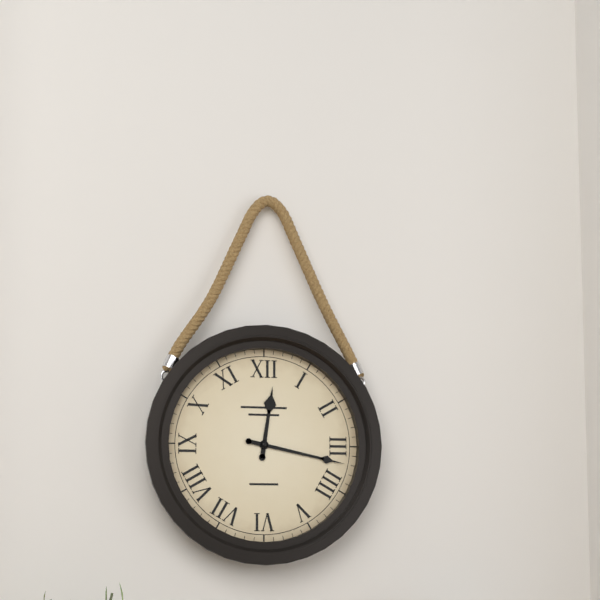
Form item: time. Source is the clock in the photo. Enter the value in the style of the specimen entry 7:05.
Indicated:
12:17
